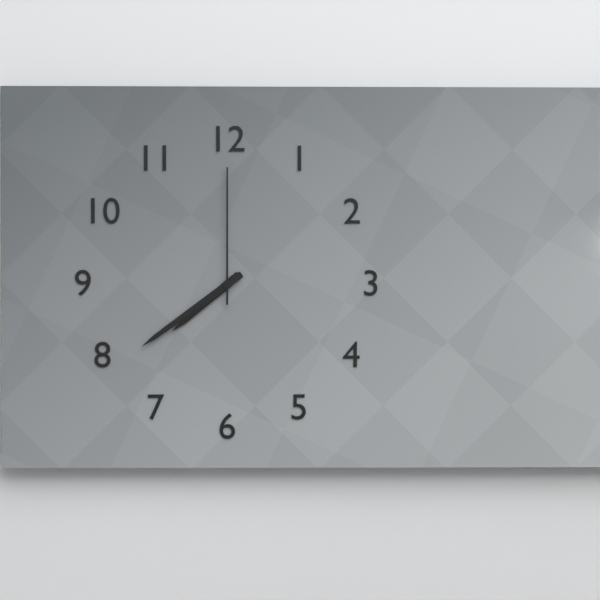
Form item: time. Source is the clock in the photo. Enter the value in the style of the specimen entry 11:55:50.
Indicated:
7:39:00
